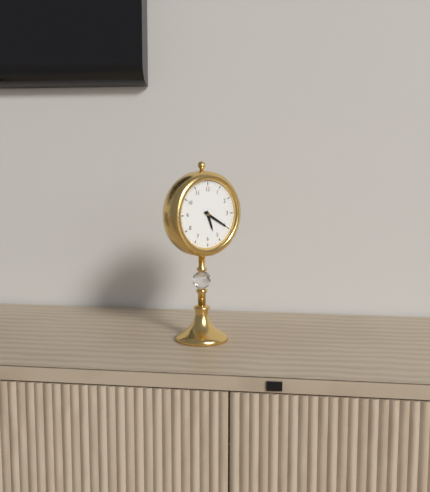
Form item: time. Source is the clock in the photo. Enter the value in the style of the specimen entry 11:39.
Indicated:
5:20
